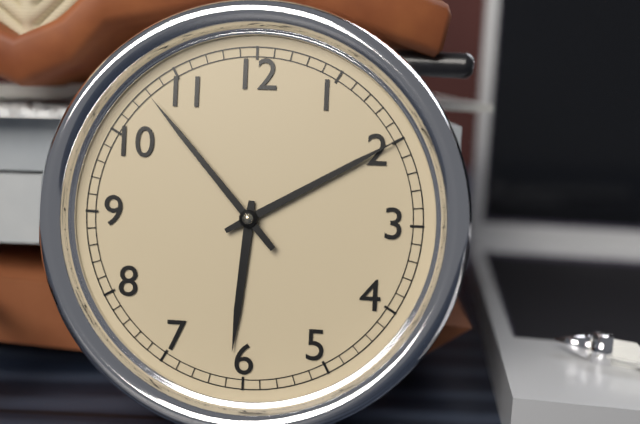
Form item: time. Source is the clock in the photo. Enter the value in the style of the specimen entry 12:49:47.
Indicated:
6:10:53
